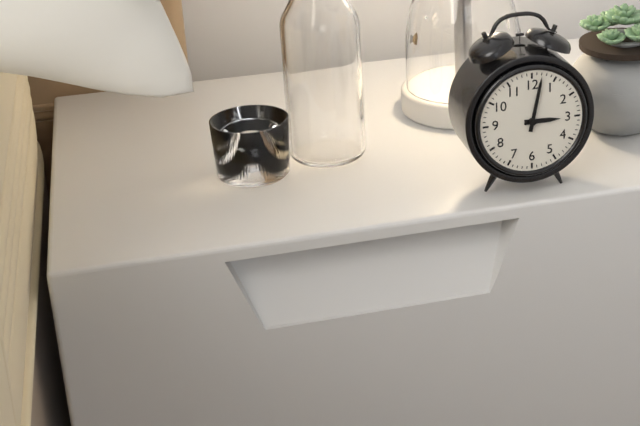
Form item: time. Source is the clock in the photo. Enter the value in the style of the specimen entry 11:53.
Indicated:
3:02
